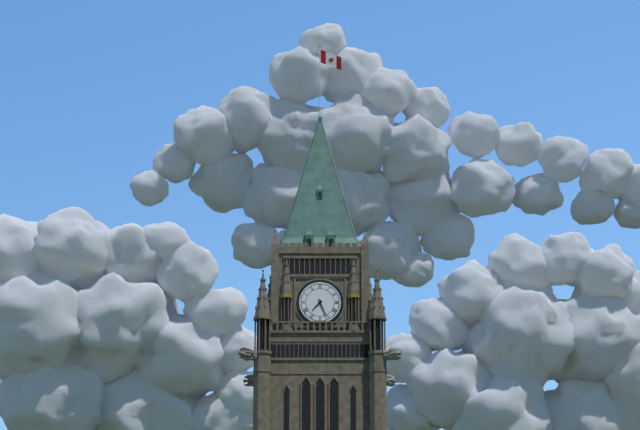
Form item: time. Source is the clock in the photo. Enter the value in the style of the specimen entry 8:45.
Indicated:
7:26
